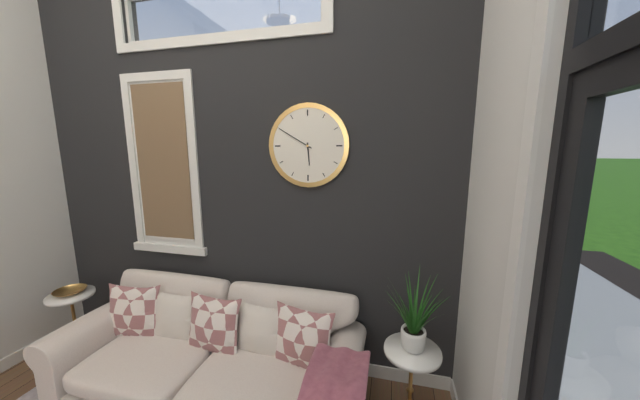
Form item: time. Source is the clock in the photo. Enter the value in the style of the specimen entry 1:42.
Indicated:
5:50
